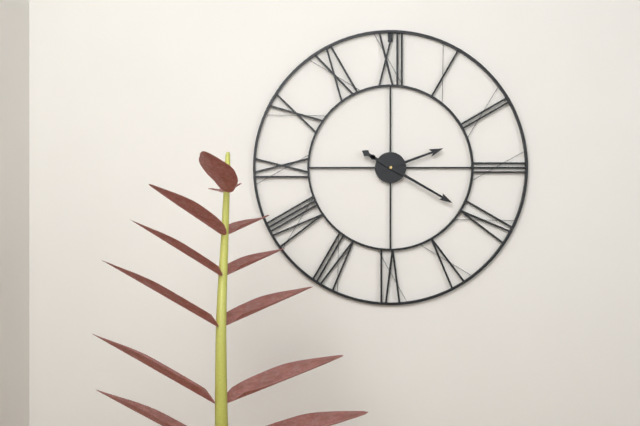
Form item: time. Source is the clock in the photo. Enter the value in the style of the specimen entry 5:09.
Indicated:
2:20
